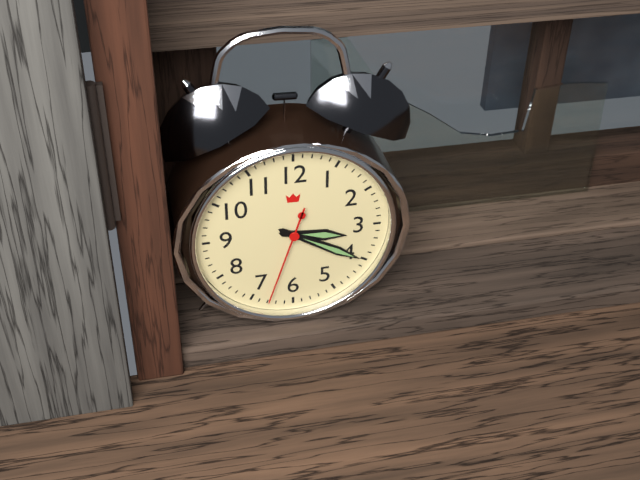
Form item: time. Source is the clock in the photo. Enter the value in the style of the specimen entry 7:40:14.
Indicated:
3:20:33
